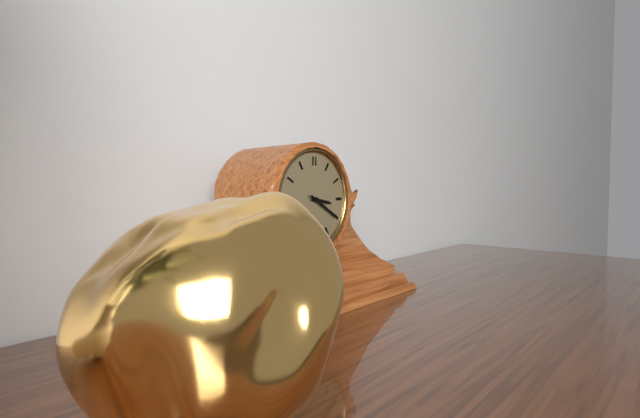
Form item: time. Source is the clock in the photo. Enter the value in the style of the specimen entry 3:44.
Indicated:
3:20
